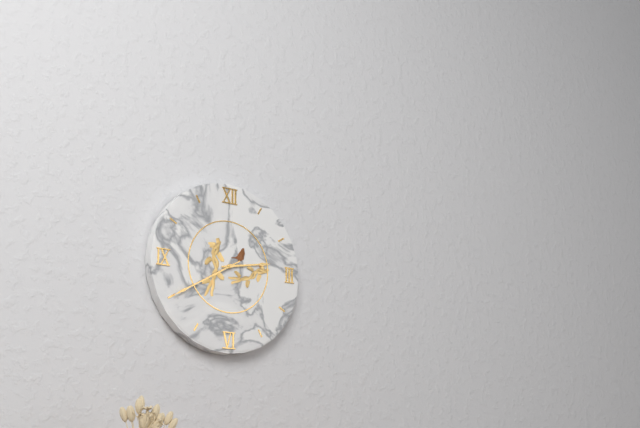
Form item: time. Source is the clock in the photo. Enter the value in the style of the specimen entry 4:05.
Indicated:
2:40
